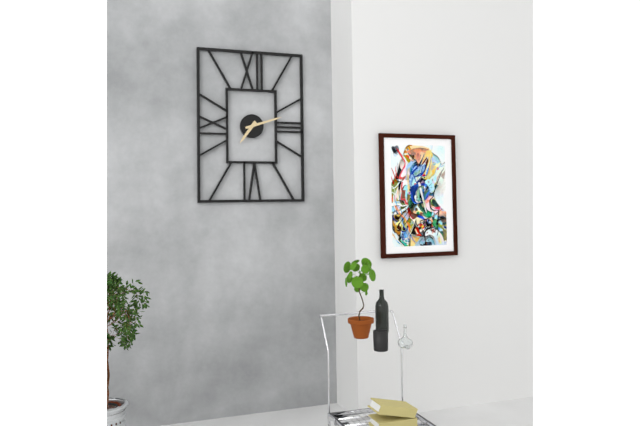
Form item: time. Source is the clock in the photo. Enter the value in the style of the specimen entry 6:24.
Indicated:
7:12
